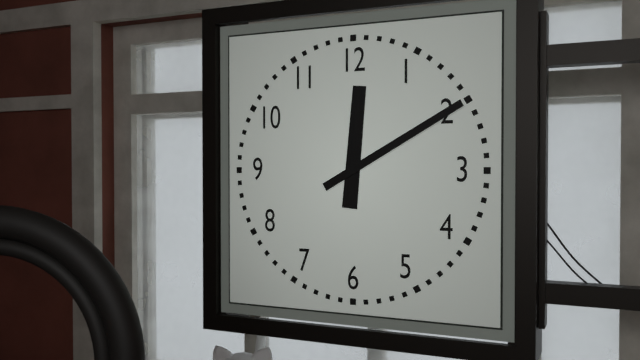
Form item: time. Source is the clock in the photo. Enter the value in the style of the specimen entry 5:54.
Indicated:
12:10
